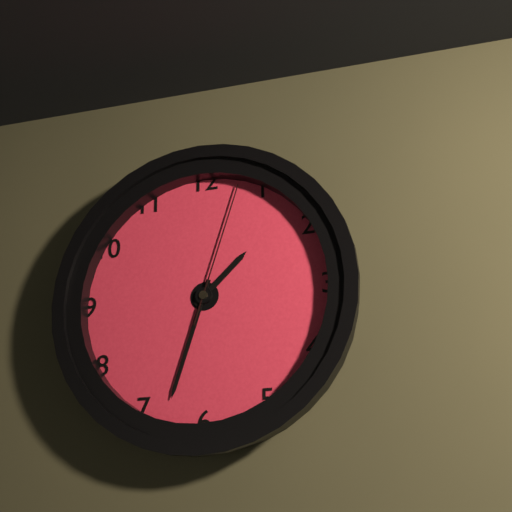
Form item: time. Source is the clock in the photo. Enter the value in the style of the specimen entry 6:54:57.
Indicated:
1:33:03
